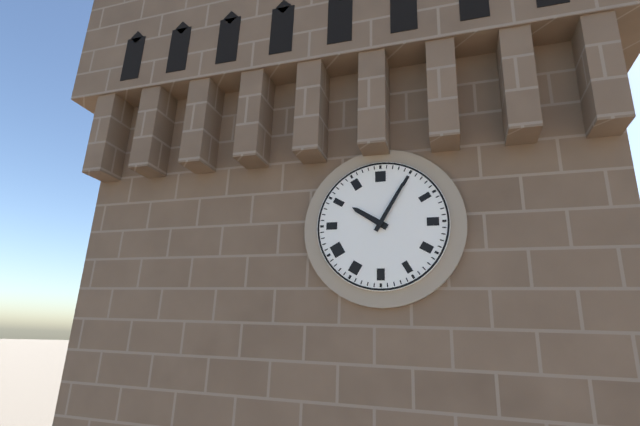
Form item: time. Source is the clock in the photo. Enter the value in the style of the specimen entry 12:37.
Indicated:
10:05
